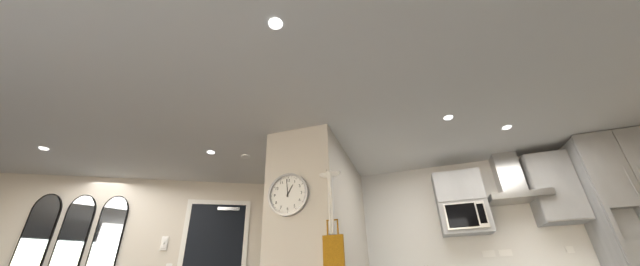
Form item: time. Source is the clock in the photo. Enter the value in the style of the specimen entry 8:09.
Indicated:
12:59
